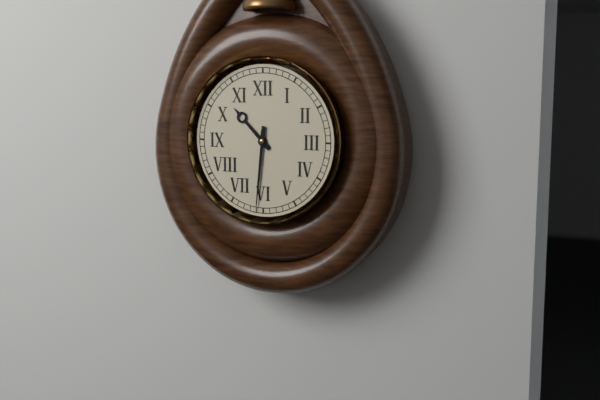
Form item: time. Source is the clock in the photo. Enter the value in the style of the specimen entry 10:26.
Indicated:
10:31
